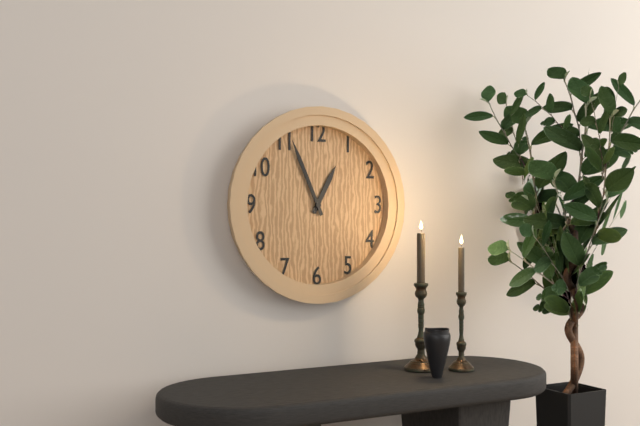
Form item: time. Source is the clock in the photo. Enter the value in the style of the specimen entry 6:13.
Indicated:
12:56
